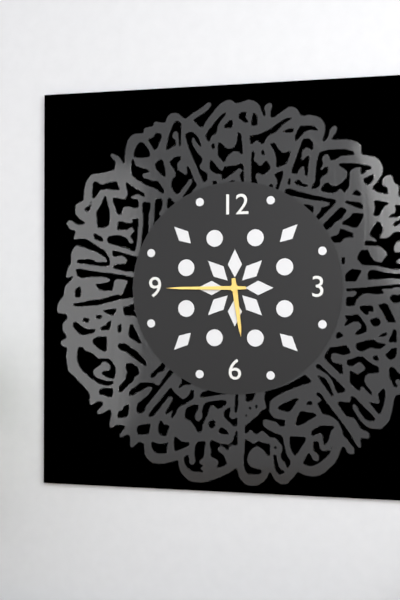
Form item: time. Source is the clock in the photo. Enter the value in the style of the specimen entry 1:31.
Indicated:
5:45
